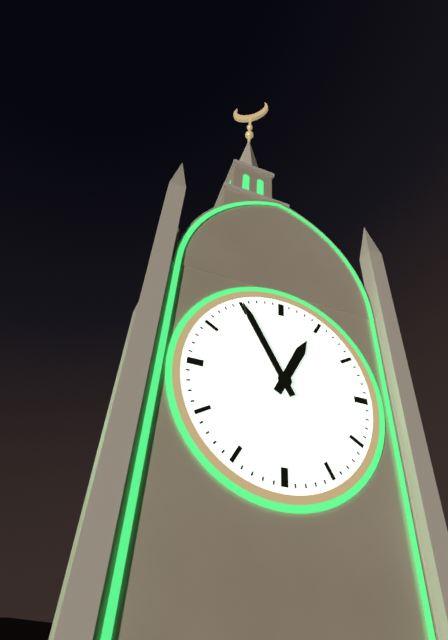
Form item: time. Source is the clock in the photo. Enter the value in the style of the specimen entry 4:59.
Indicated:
12:55
